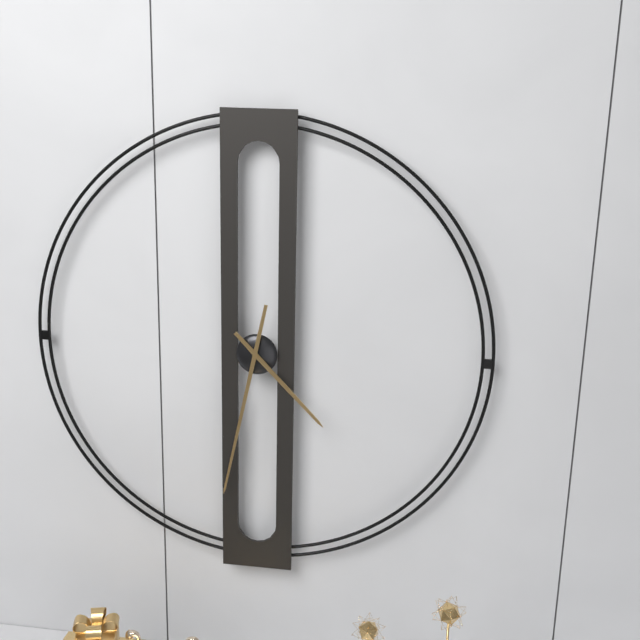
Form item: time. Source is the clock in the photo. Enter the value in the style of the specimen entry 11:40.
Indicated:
4:32
